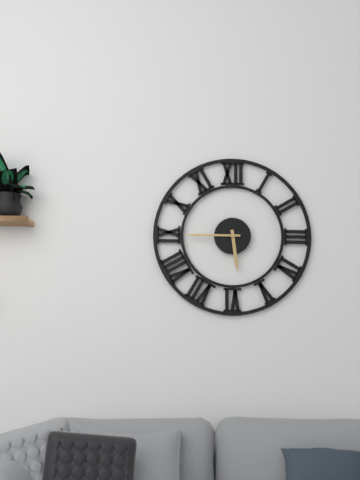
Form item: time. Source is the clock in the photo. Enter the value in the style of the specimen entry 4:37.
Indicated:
5:45
